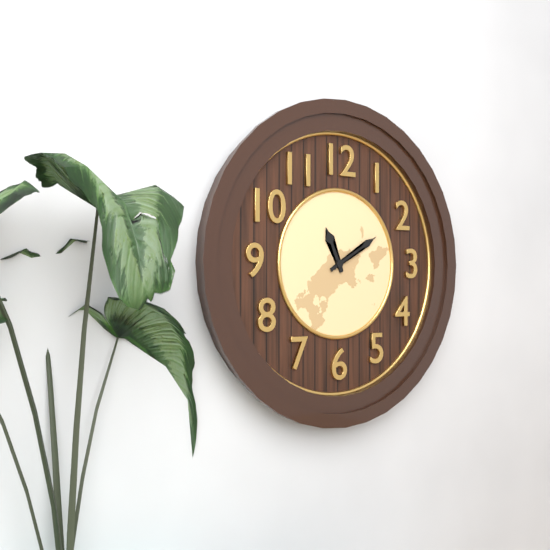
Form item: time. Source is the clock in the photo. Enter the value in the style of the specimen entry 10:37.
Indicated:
11:10
